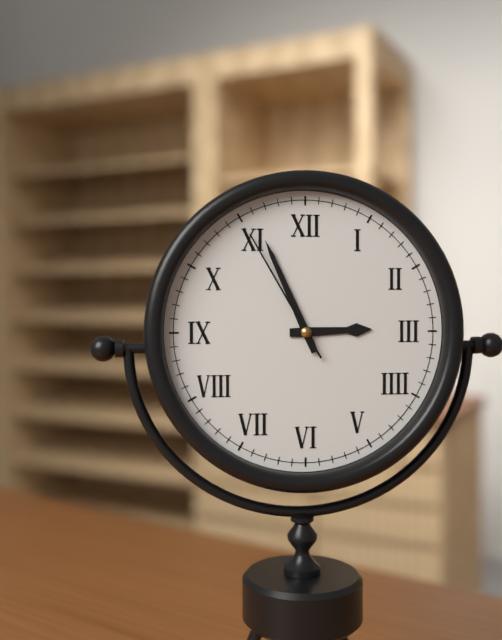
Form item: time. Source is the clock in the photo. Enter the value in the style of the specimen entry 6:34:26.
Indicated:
2:56:55
